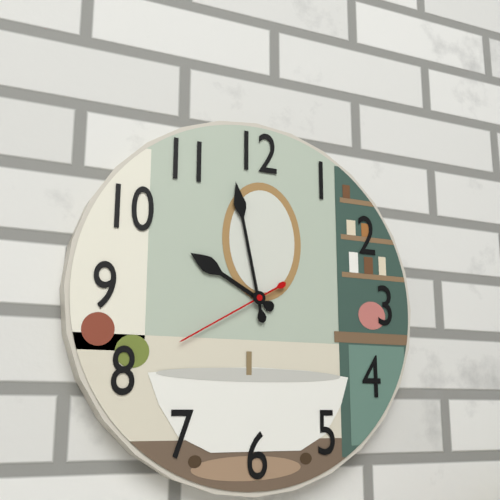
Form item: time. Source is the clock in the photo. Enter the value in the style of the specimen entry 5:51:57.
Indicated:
9:58:40
